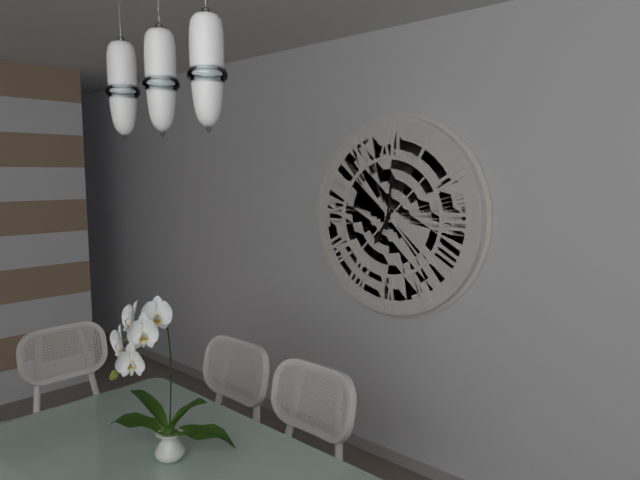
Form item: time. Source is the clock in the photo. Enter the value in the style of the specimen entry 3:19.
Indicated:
7:01
